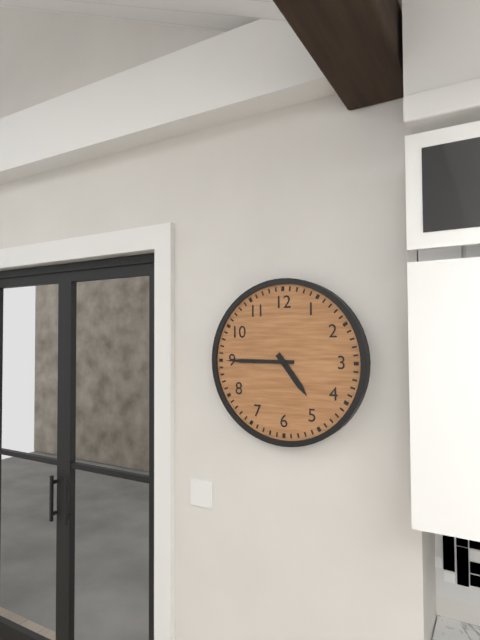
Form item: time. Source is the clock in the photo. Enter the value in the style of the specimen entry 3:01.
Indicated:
4:45
